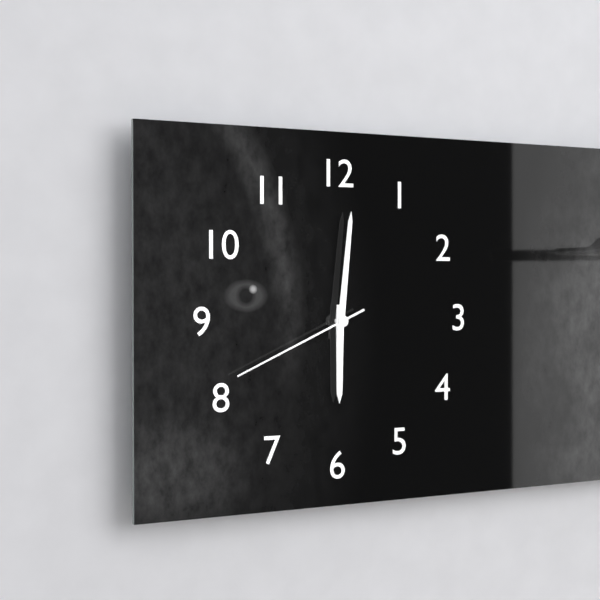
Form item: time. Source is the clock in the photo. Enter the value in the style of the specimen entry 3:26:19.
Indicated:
6:01:41
